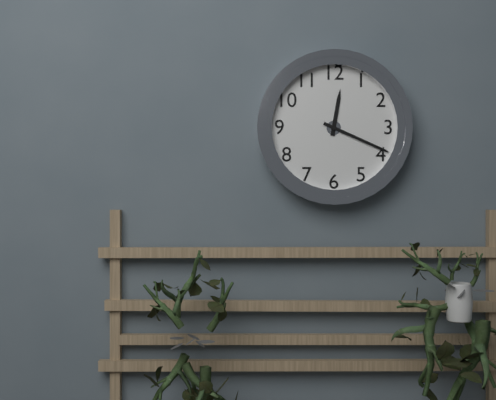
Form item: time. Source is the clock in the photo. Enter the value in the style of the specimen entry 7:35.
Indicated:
12:19
